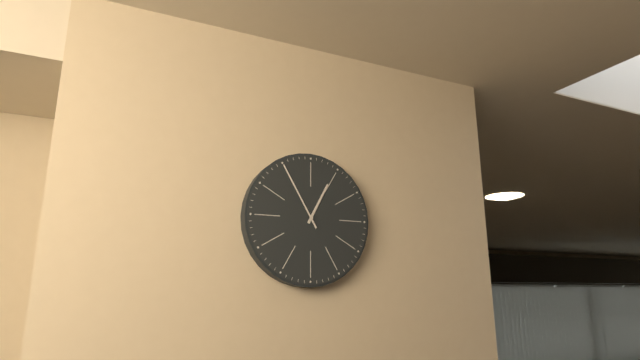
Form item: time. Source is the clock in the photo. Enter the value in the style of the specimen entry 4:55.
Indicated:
12:55
